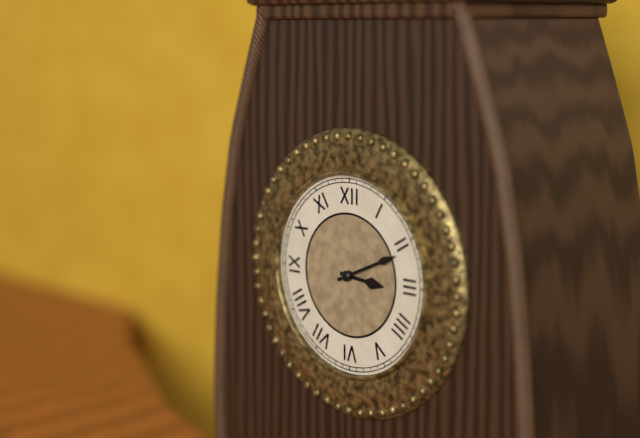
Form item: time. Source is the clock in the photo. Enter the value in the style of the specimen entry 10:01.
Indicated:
3:11
